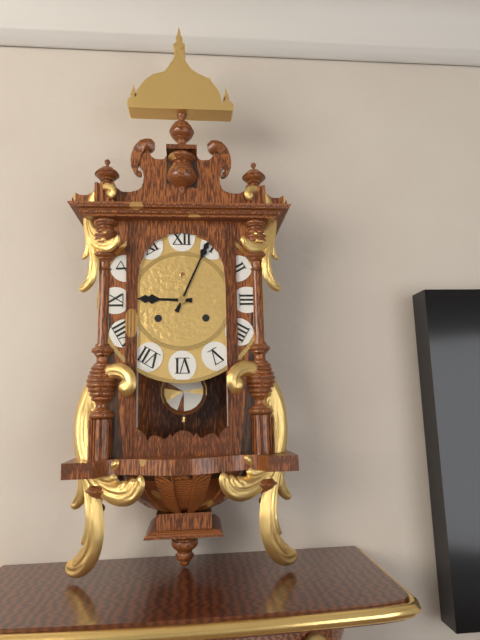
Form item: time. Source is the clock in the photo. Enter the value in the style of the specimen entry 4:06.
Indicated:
9:04
